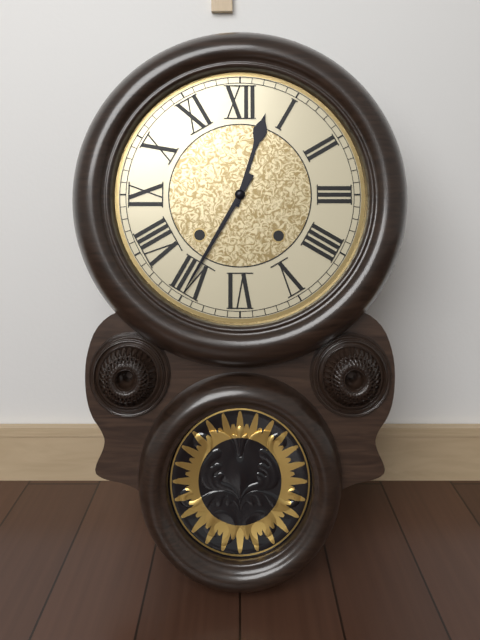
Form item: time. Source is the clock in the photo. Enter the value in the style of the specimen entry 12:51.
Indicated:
12:35
